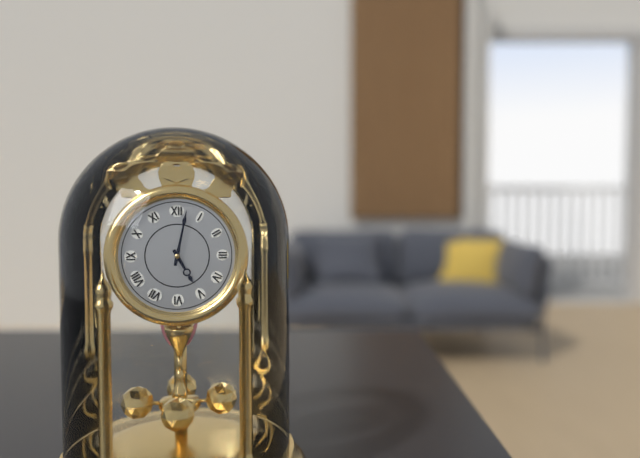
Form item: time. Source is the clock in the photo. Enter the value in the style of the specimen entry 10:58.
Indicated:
5:02
